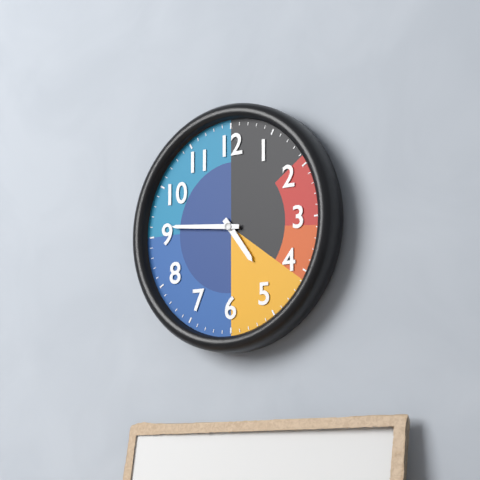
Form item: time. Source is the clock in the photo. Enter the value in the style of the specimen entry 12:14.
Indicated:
4:46
